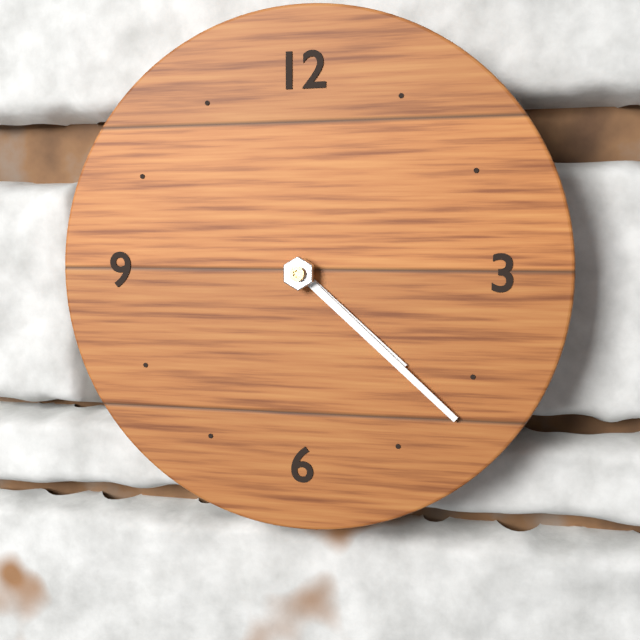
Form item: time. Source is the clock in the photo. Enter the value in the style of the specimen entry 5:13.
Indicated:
4:22
